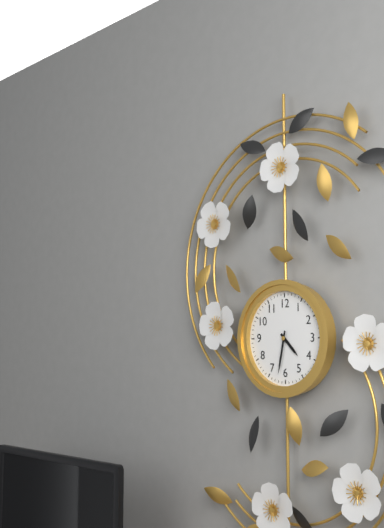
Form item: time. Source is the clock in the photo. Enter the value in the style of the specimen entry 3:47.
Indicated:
4:32
